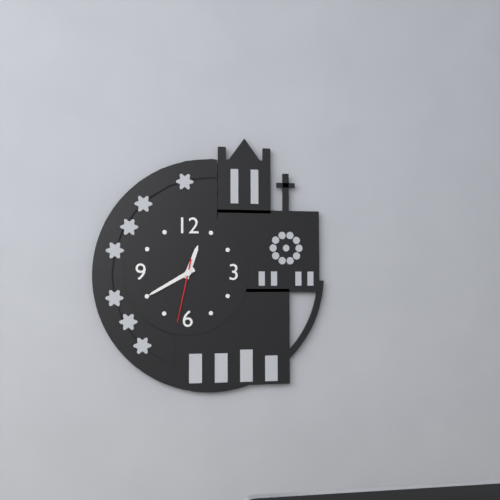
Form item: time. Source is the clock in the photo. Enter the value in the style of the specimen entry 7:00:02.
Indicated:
12:40:32
